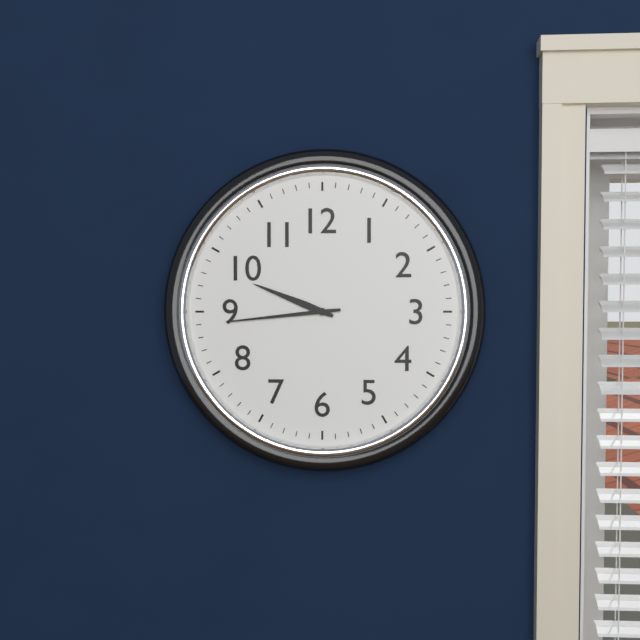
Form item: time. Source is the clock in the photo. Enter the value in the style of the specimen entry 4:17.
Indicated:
9:44
